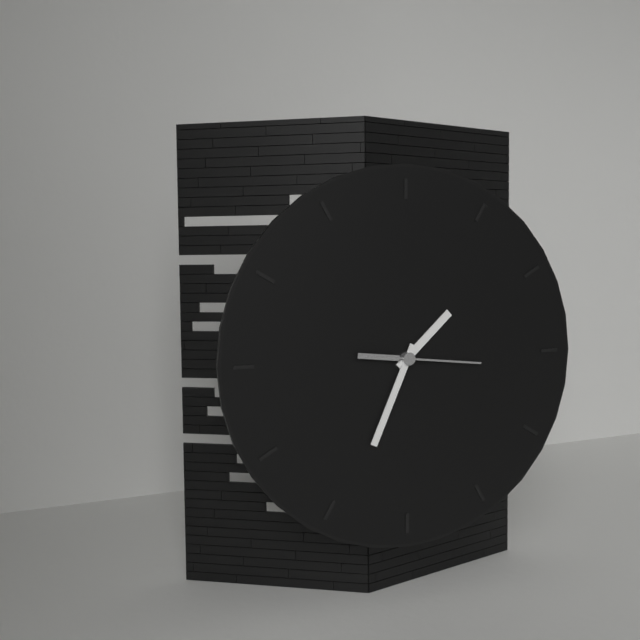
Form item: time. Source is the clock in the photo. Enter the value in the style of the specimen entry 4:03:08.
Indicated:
1:34:16
